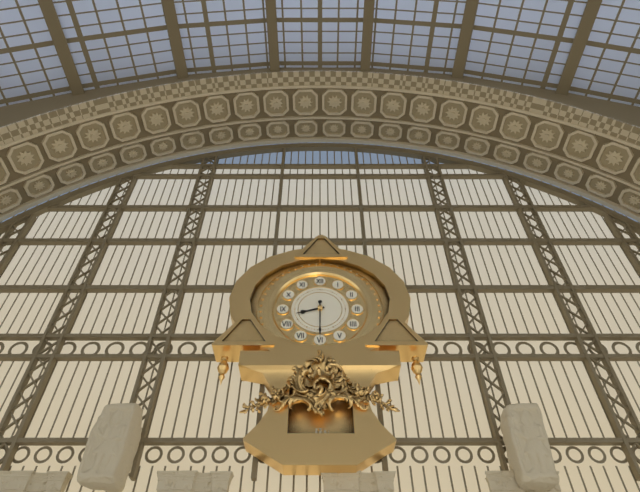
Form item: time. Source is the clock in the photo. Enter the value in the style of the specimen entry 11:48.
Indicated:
8:30
